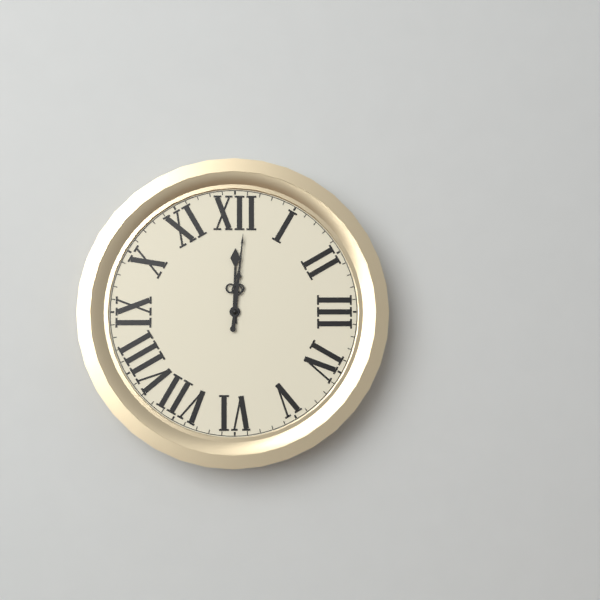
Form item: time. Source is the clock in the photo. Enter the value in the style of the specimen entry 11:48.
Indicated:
12:01
